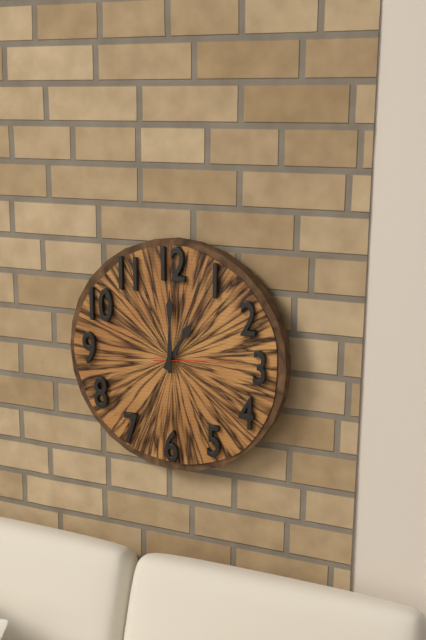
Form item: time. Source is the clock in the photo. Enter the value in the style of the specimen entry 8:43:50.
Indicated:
1:00:14
